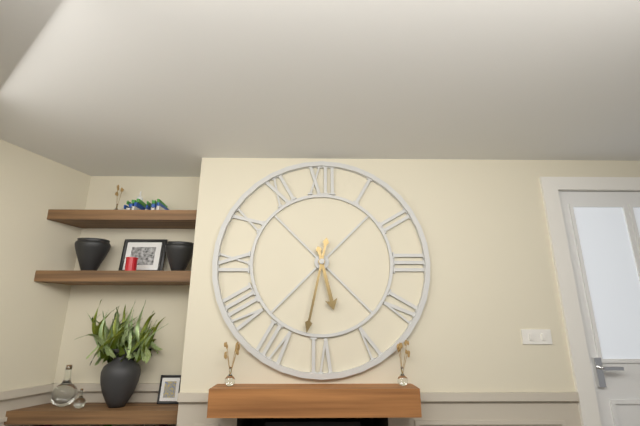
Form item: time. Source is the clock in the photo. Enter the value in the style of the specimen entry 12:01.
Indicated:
5:32
